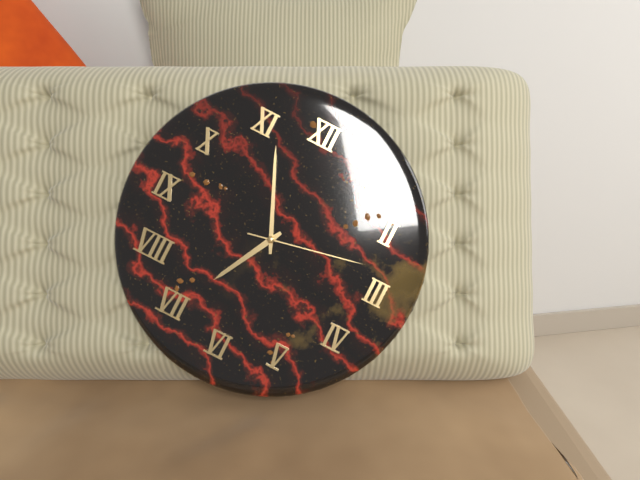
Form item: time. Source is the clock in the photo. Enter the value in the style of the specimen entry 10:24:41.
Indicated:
6:56:13
